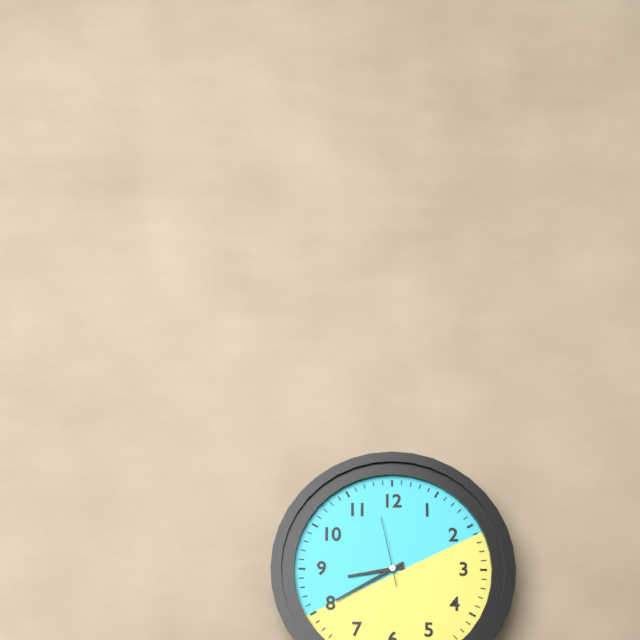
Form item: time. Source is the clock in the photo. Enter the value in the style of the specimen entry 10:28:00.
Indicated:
8:40:58
